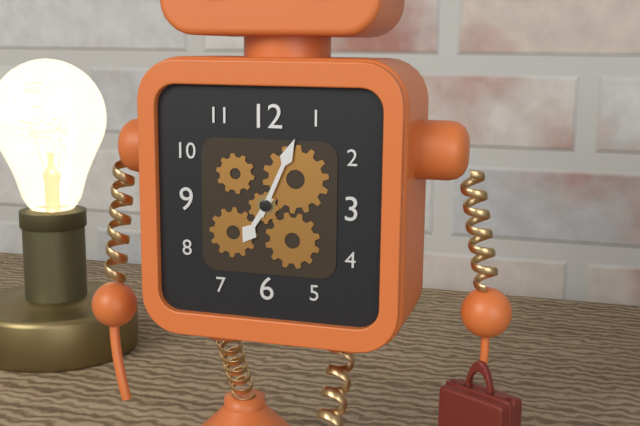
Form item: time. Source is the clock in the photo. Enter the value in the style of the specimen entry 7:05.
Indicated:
7:04
